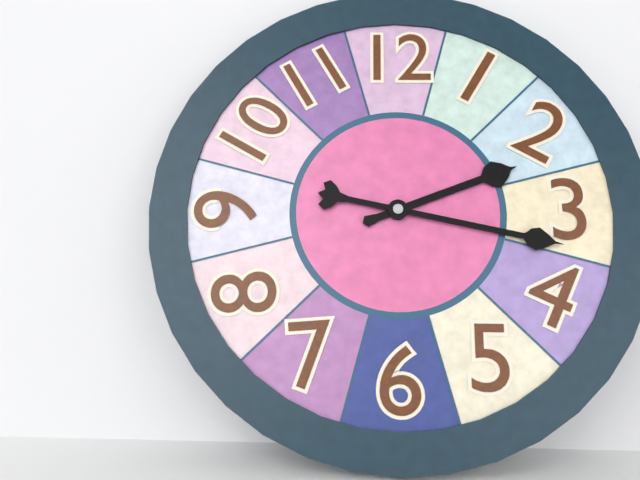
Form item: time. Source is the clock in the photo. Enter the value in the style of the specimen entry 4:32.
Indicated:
2:17
